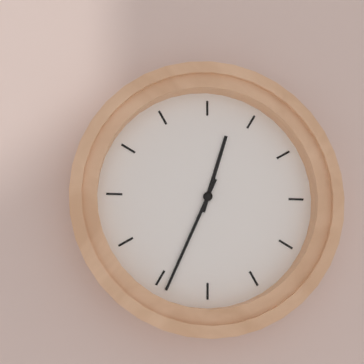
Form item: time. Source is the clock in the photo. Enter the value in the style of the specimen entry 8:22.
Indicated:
12:34
